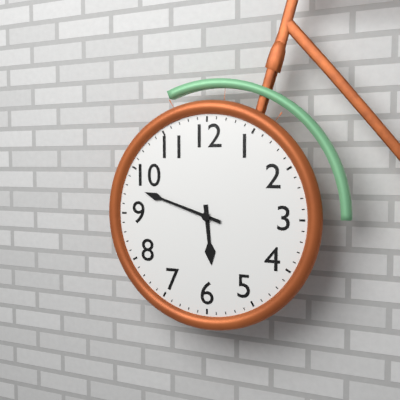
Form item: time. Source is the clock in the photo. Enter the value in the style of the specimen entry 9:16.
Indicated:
5:48
